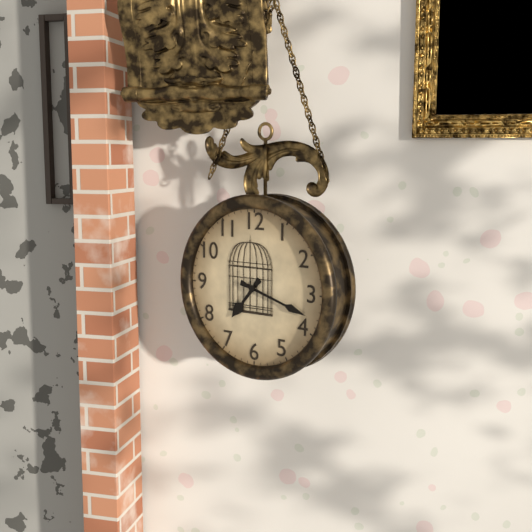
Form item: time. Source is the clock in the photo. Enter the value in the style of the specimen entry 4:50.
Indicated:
7:18
